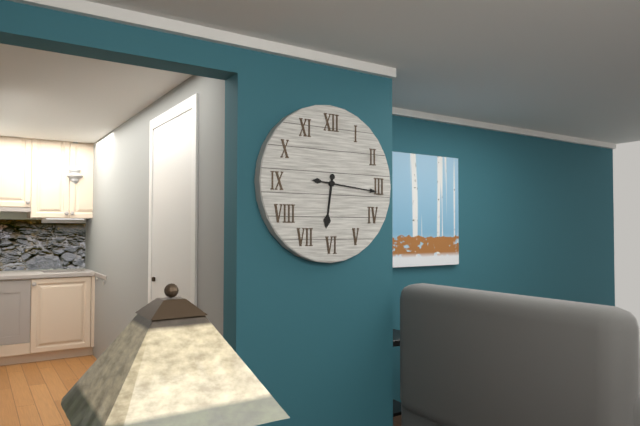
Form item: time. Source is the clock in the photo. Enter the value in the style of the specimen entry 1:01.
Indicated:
6:16
